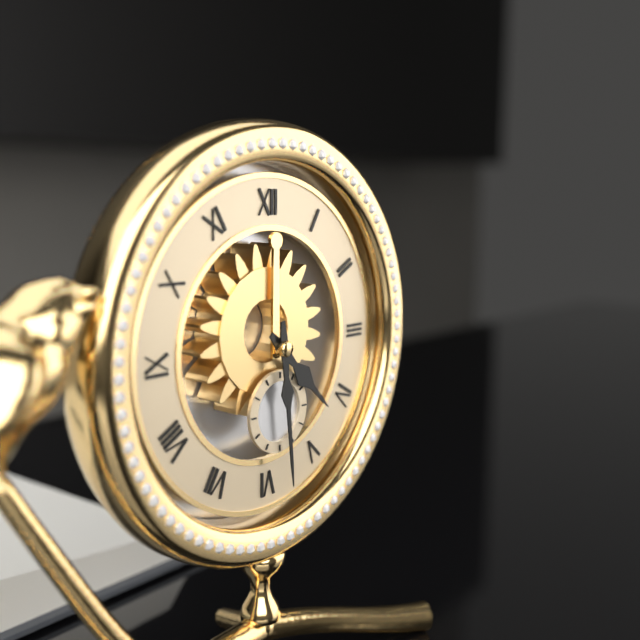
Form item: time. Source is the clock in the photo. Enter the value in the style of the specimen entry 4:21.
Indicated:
4:29
